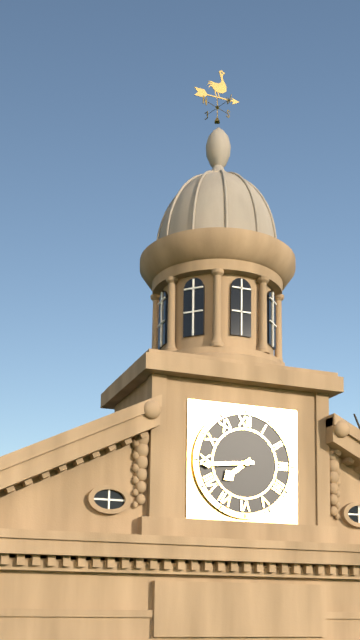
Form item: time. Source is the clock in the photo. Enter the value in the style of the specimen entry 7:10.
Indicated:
7:44
